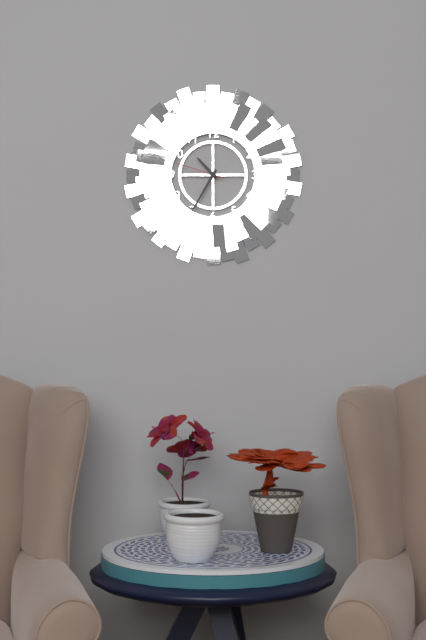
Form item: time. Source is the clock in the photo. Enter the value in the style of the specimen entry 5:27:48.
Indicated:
10:35:48
